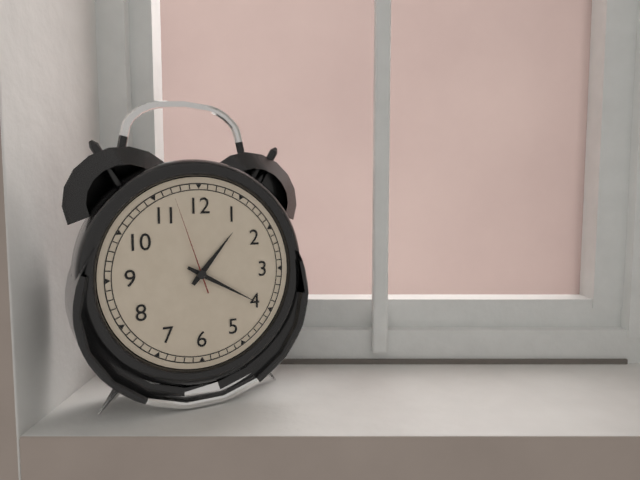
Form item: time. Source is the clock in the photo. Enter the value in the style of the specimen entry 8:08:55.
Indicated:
1:20:57
